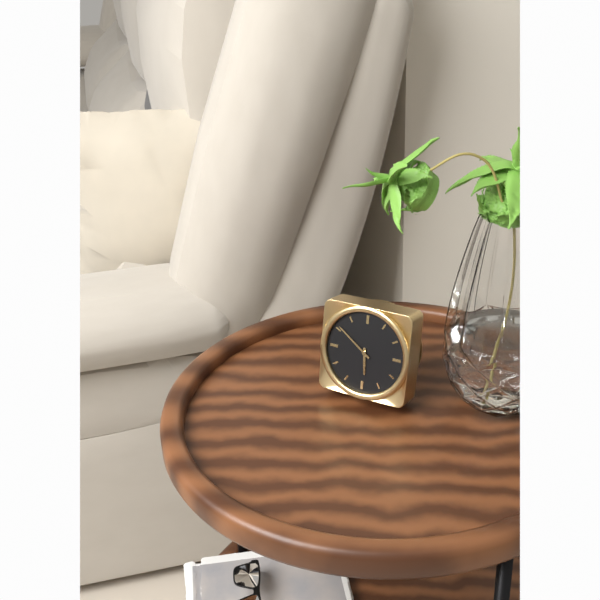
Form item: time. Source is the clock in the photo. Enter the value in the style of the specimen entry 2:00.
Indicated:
5:51
